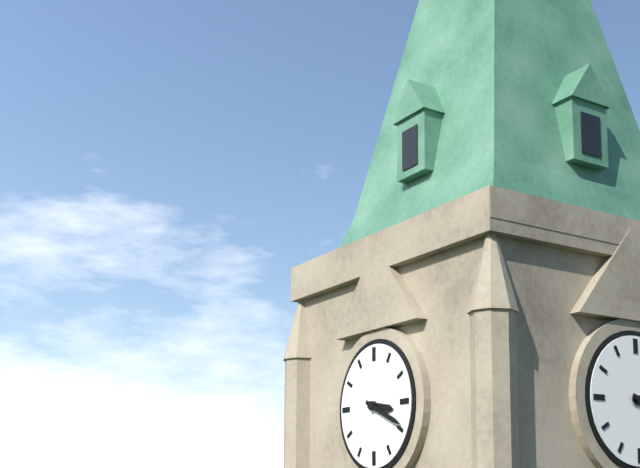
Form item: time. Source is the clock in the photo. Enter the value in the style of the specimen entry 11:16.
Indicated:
3:19
